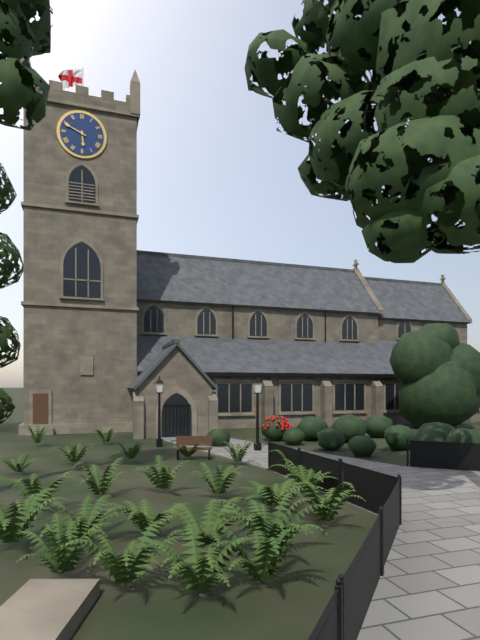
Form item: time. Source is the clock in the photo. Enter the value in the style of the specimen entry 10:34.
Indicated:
5:49
